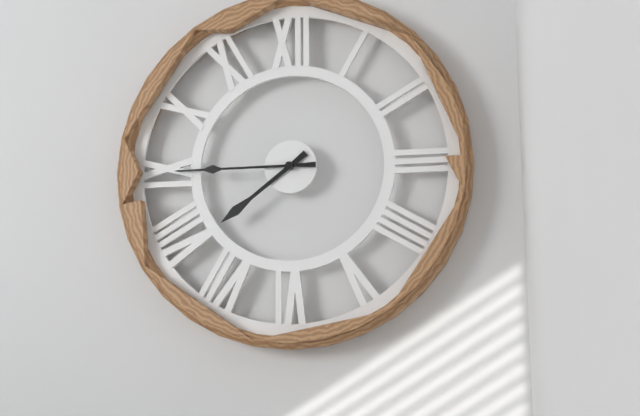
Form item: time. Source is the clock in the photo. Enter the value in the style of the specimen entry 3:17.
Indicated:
7:45
